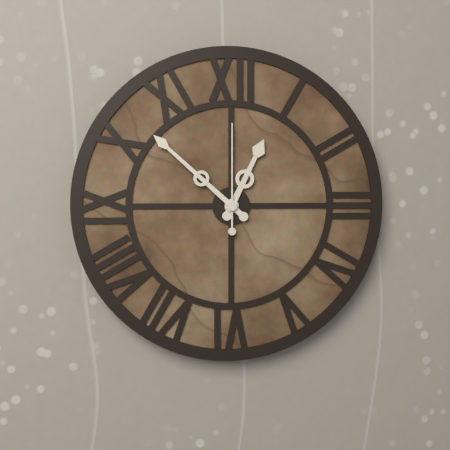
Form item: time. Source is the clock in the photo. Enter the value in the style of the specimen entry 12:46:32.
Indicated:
12:52:00
